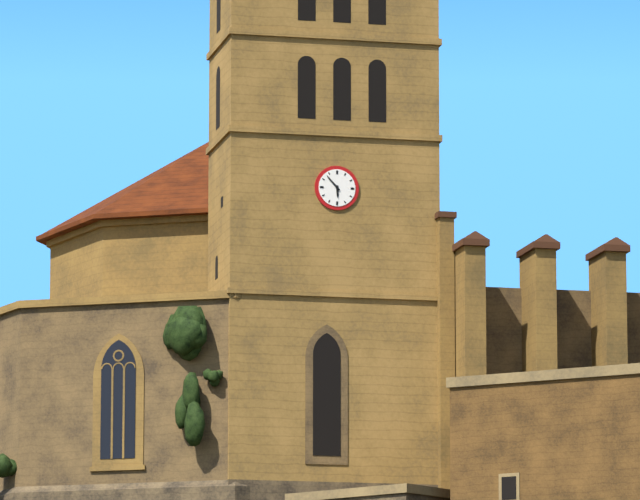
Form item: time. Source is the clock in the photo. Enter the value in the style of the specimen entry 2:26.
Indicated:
5:53
